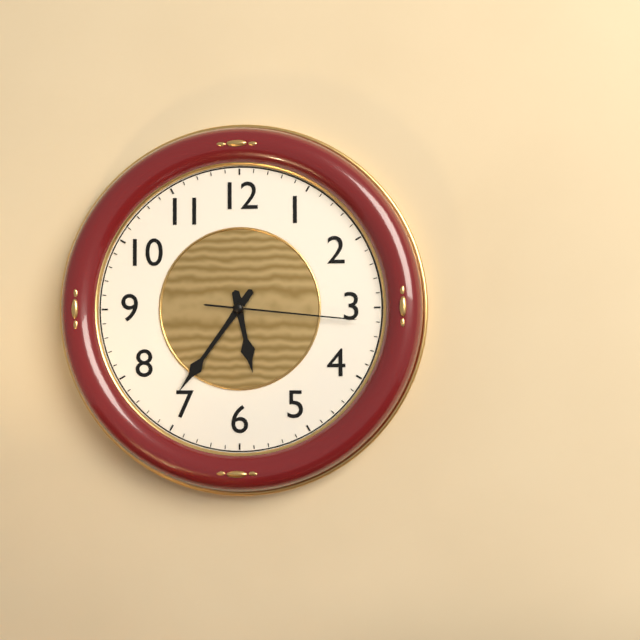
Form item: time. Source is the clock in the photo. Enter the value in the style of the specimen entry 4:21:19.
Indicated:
5:36:16
